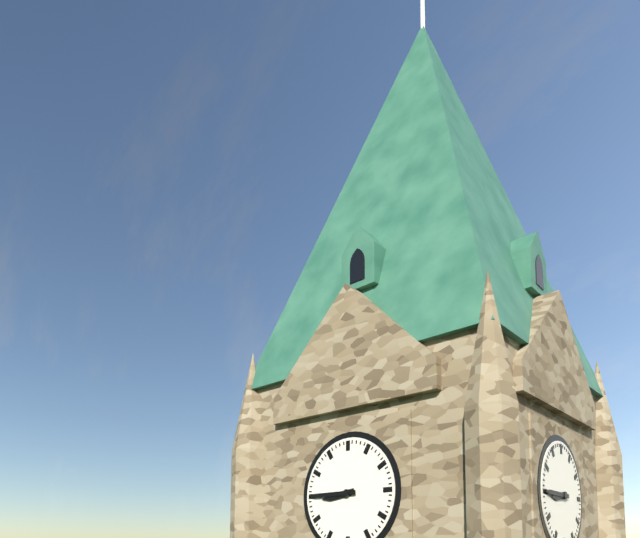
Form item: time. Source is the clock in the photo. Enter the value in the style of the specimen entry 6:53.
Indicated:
8:45
